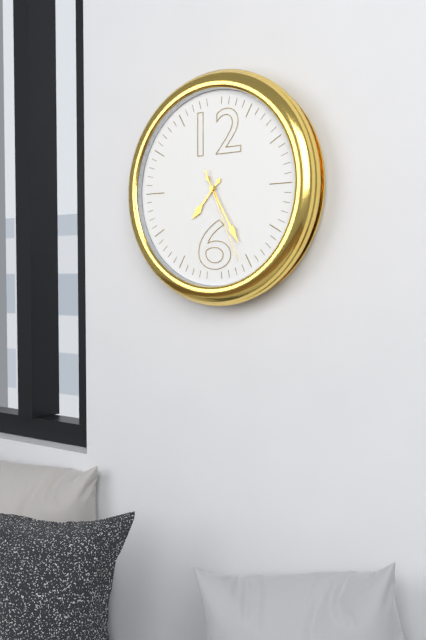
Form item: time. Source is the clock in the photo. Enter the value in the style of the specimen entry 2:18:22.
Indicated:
7:25:26
